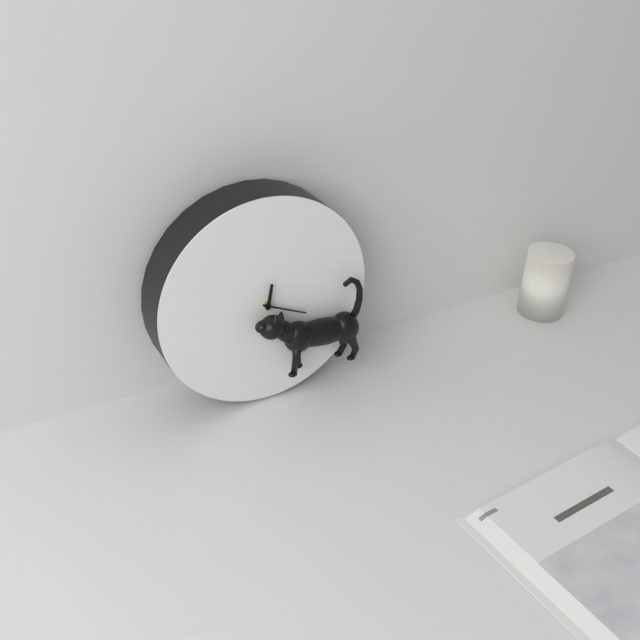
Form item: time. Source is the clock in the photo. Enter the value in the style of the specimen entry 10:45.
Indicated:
12:19
